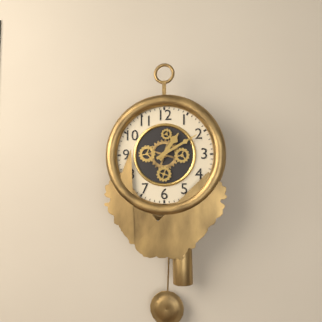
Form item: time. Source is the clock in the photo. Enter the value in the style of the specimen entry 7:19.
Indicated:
1:10
